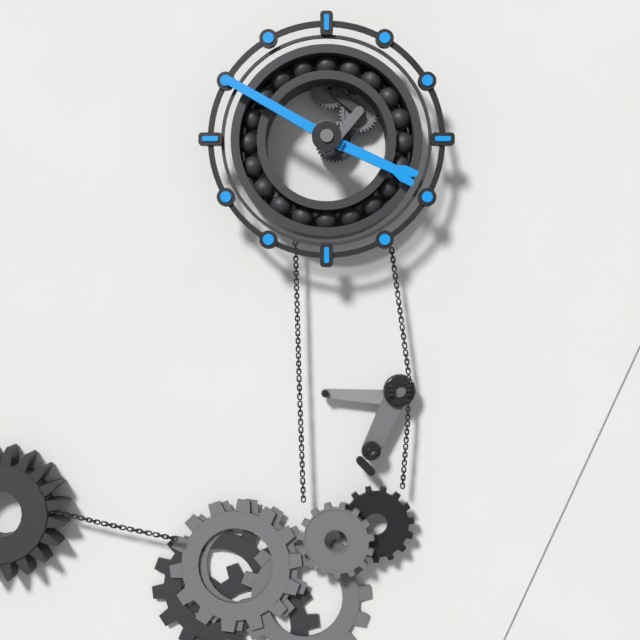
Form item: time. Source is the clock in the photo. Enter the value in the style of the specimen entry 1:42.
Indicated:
3:50
